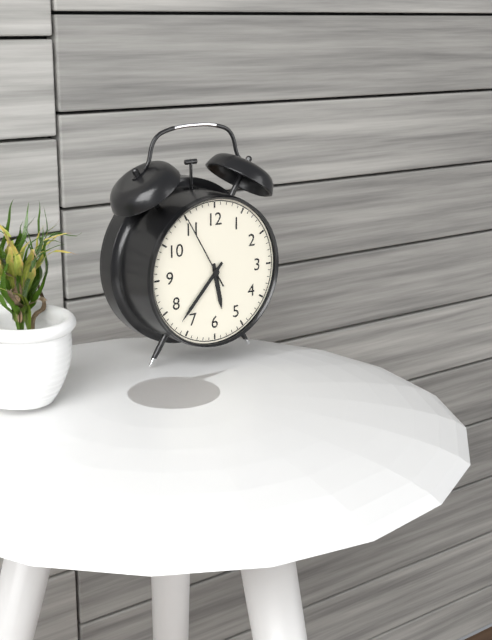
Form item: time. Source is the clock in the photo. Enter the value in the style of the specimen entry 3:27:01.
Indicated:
5:37:55
